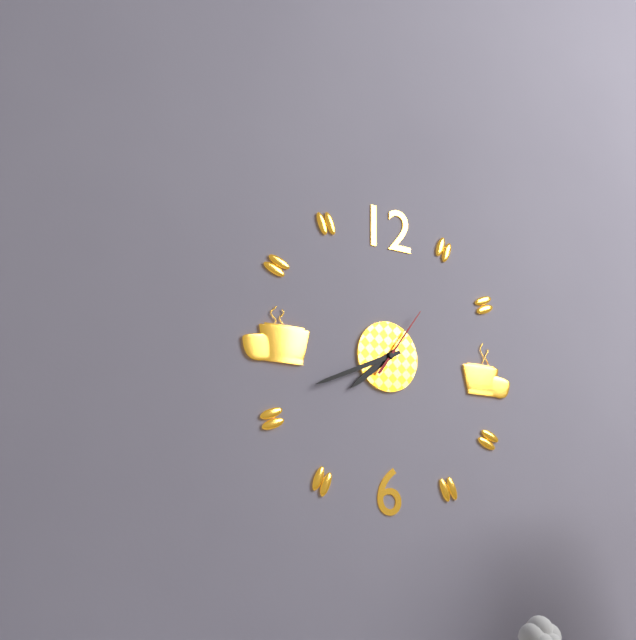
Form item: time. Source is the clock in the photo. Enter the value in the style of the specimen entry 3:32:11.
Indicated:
7:41:06
